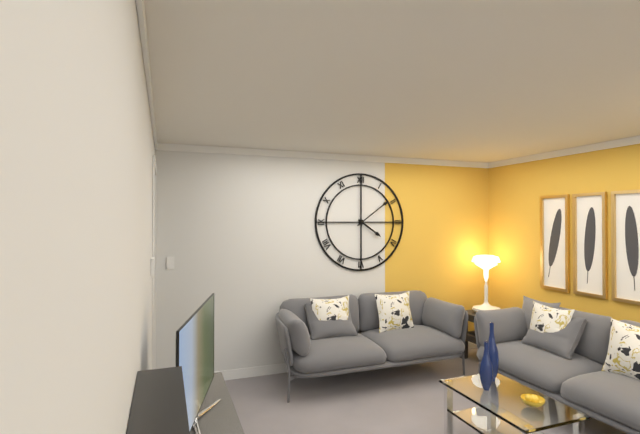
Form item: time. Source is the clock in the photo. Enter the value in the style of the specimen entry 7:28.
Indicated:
4:09
